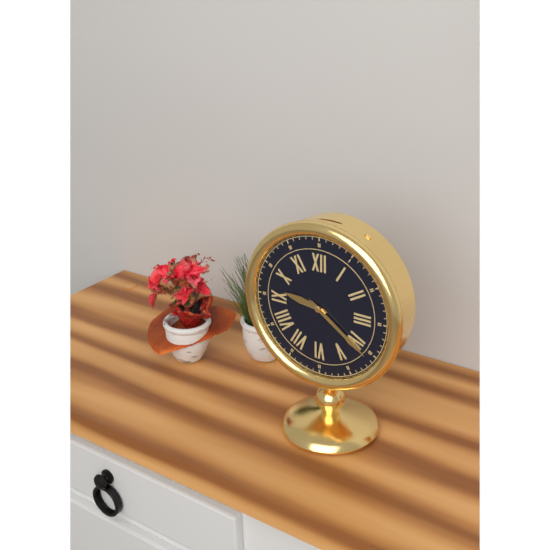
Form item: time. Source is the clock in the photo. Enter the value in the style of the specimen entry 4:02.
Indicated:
9:21
